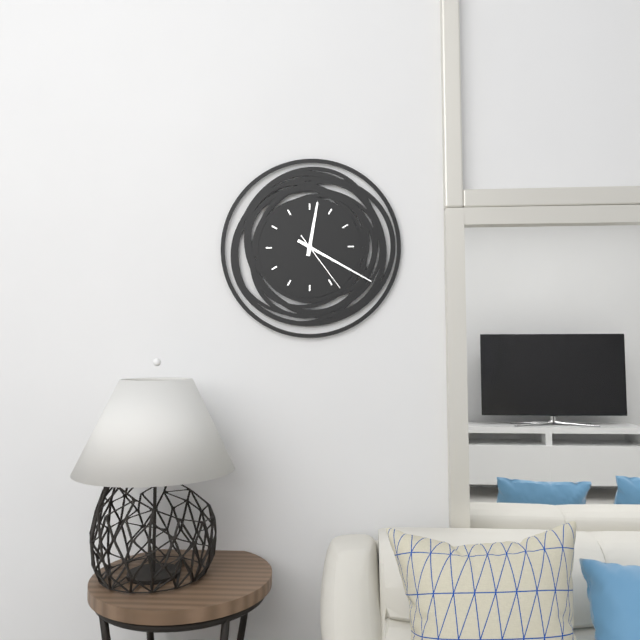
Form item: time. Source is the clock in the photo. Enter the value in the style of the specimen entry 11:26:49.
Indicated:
12:20:24
